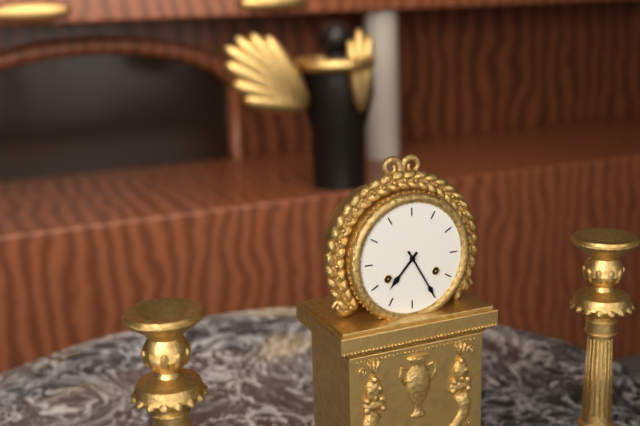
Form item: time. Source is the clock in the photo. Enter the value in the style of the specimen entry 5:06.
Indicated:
7:25
